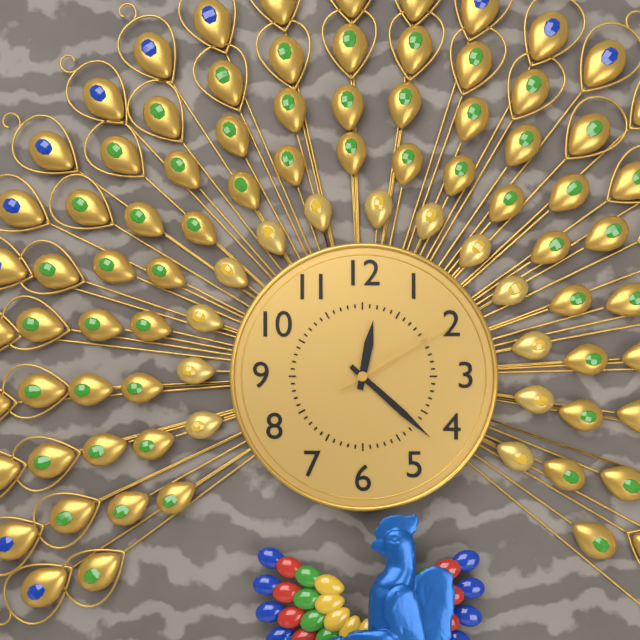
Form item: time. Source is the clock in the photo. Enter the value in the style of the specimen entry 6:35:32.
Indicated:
12:22:10
